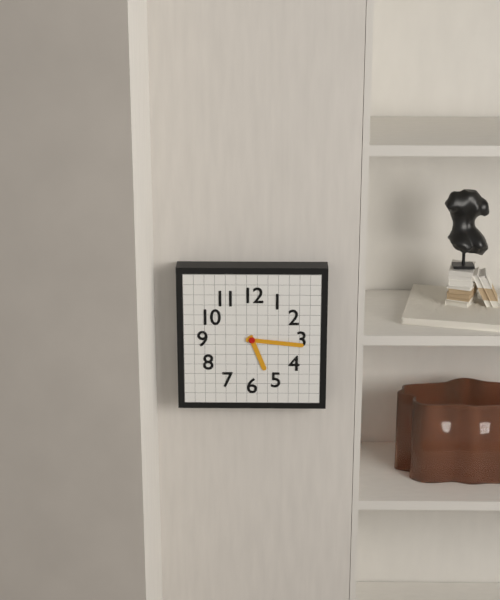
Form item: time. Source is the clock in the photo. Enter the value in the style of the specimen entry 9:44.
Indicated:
5:16
